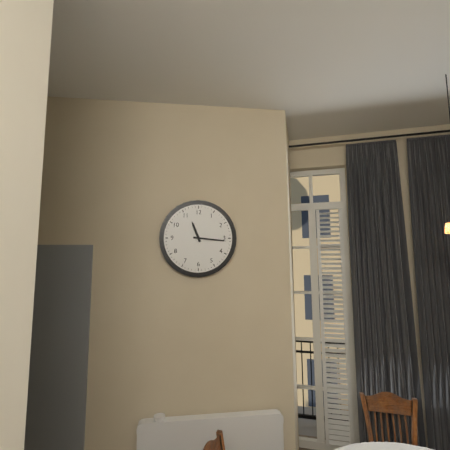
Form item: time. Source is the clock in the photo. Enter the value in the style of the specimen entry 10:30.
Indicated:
11:16
